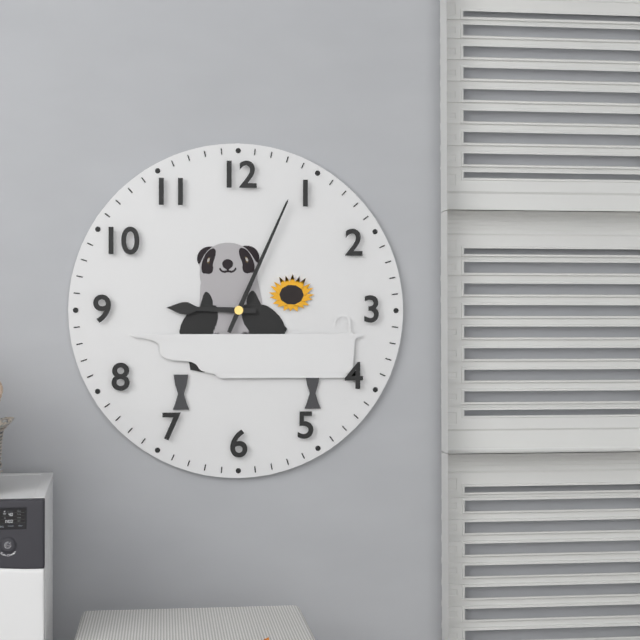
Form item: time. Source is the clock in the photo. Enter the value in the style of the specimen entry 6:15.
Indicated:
9:04
